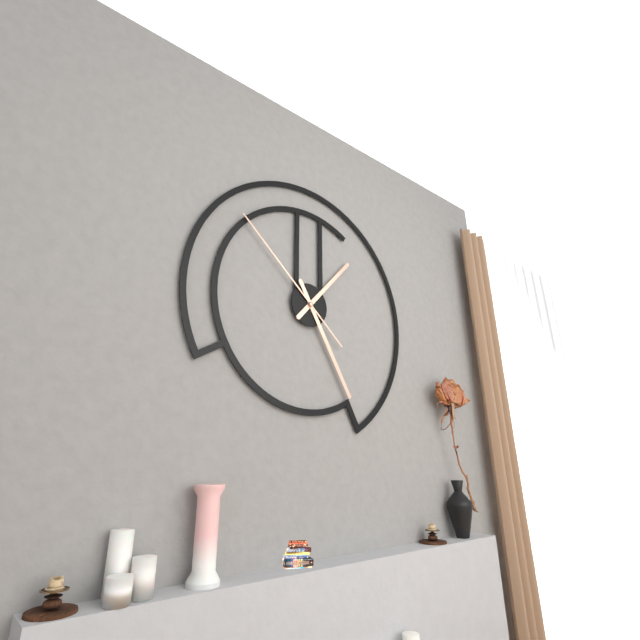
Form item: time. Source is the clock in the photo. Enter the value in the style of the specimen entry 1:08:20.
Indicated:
1:25:52
